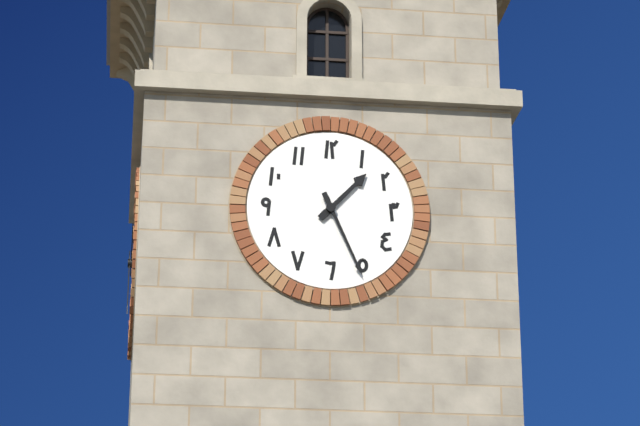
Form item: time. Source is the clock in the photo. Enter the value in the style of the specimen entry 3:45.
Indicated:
1:26
